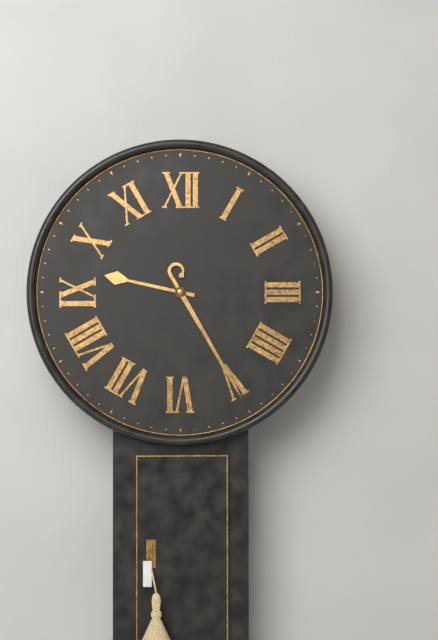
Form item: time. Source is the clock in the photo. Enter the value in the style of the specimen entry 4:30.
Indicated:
9:25
